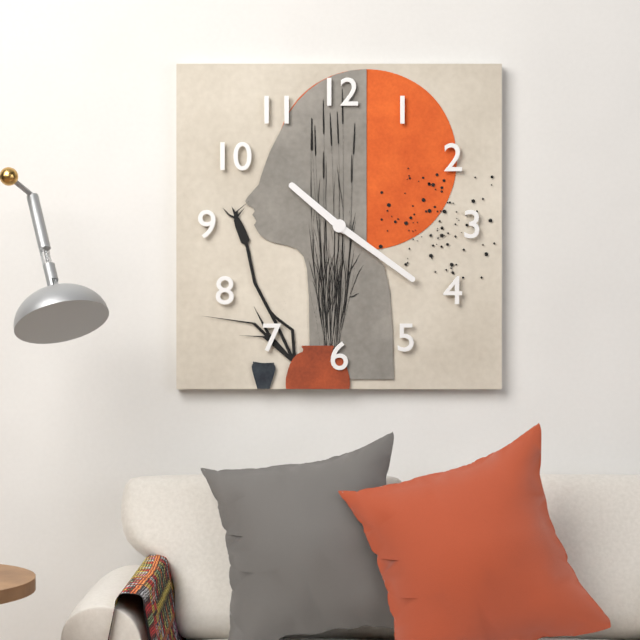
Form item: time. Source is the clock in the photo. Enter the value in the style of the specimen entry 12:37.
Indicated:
10:21
